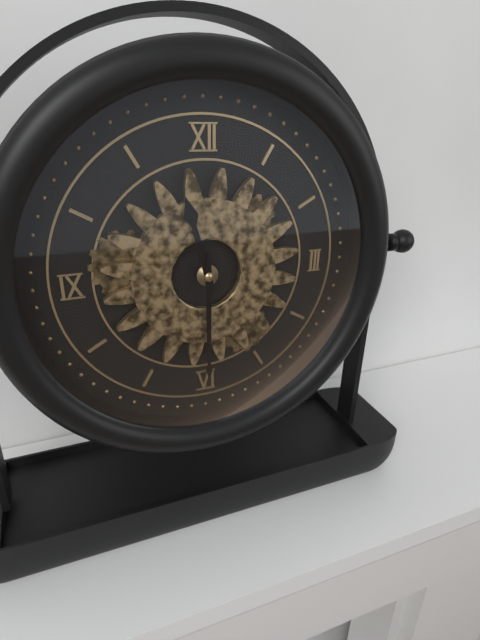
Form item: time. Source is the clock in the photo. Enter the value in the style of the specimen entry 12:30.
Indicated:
11:30
